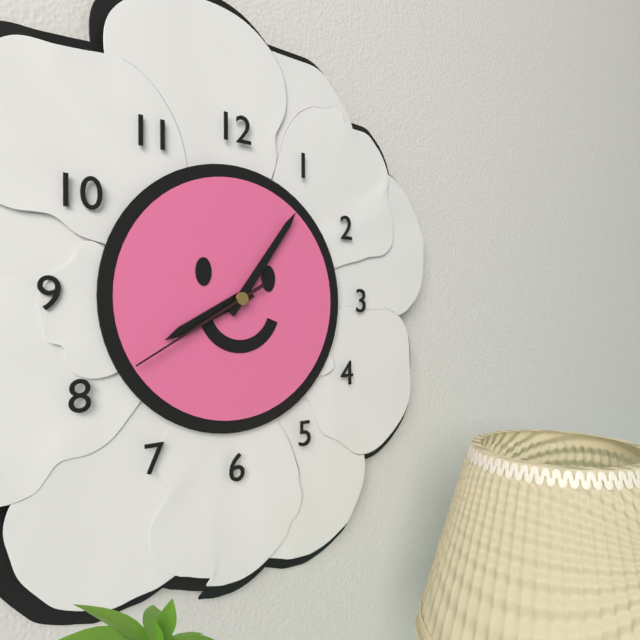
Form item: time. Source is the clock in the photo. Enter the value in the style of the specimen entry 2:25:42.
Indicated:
8:06:40
